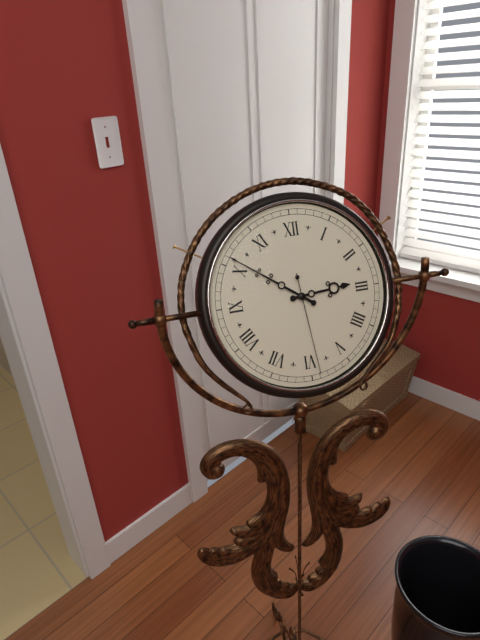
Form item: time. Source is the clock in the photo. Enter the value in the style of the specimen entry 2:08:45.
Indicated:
2:51:29
